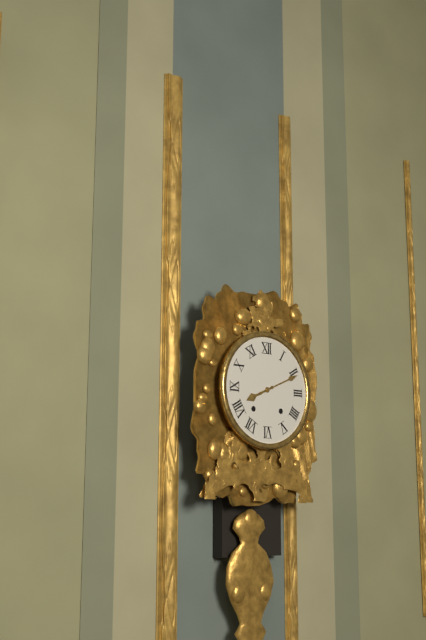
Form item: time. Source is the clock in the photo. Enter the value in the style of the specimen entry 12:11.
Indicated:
8:11
